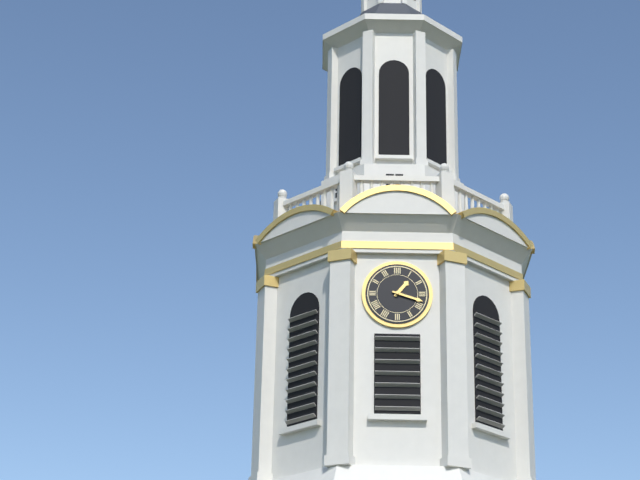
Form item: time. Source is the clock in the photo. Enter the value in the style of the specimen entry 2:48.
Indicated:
1:18
